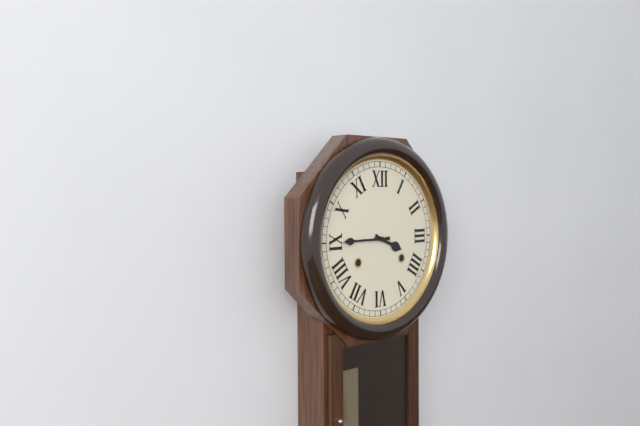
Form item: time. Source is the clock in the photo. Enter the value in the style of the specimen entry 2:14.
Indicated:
3:45
